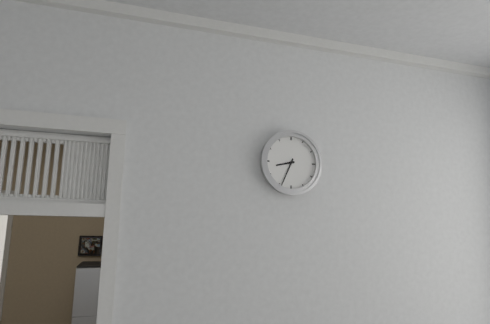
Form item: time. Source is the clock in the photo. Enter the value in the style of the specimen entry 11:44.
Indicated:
8:34
